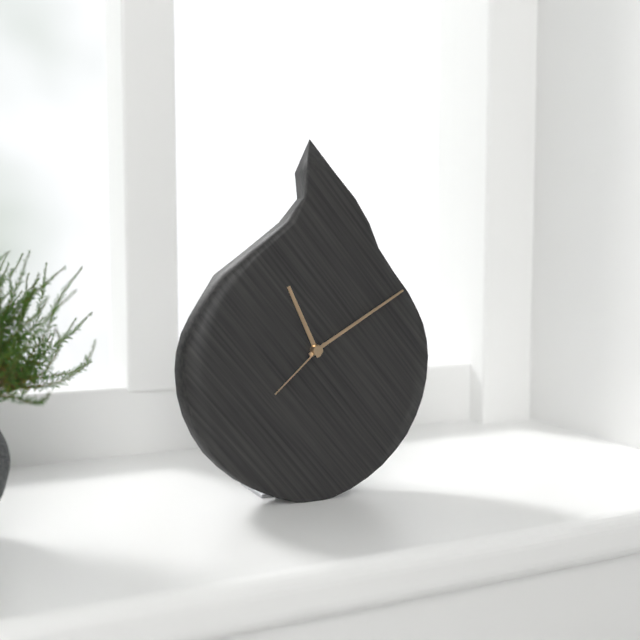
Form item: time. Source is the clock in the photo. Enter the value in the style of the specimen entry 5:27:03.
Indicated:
11:10:38
